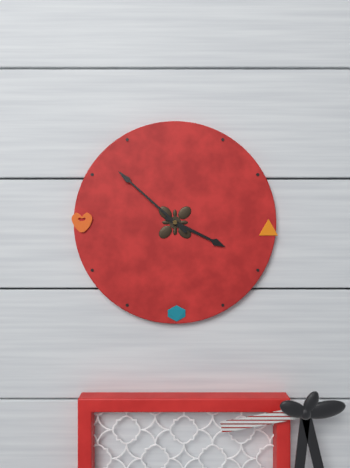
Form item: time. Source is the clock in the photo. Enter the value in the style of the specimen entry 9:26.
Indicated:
3:52
